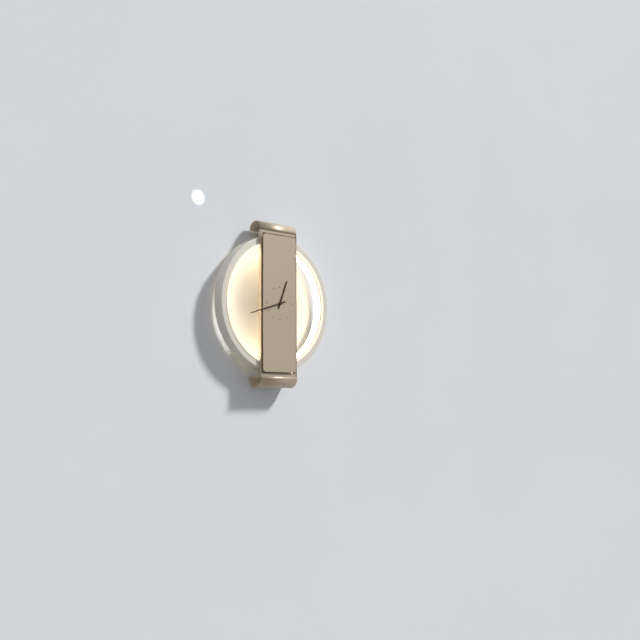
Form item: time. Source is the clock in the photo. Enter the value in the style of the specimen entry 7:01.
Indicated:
12:42
